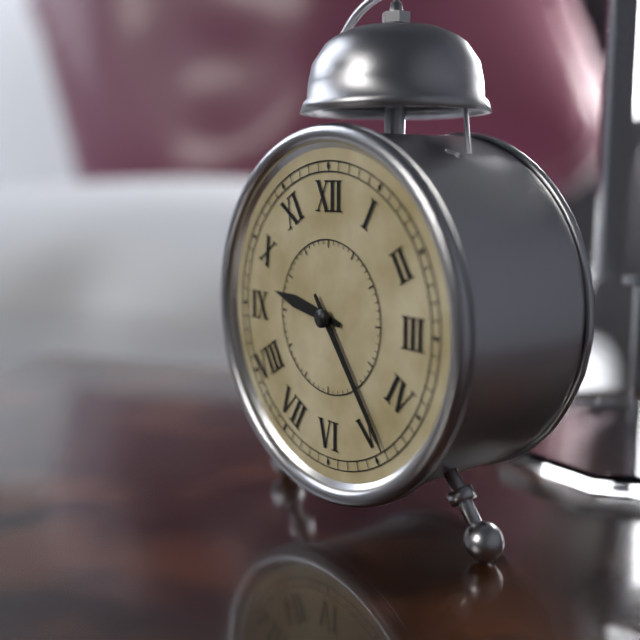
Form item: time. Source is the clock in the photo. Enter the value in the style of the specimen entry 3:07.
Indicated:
9:24
